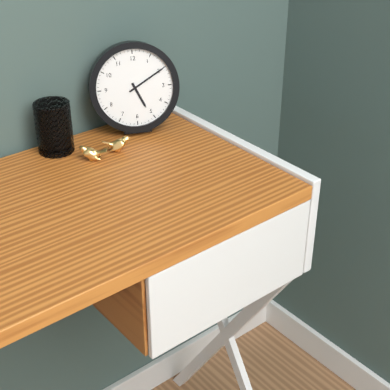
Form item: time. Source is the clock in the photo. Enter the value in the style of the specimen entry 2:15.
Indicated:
5:10
